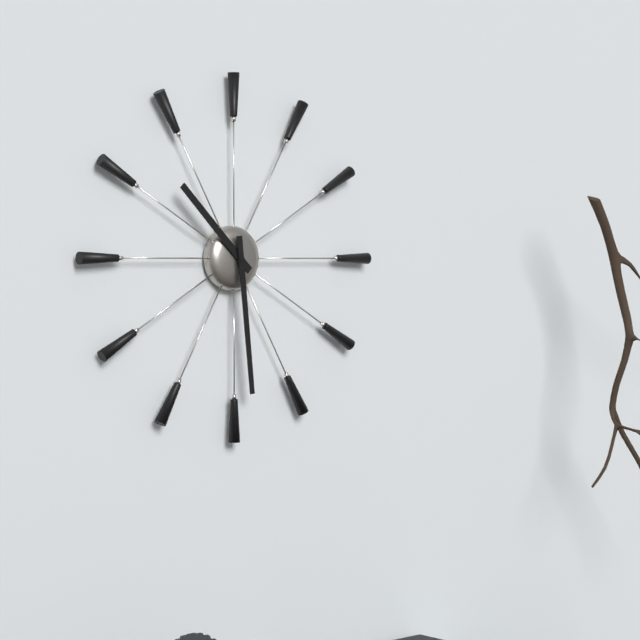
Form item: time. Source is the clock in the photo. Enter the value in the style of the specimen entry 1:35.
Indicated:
10:29
